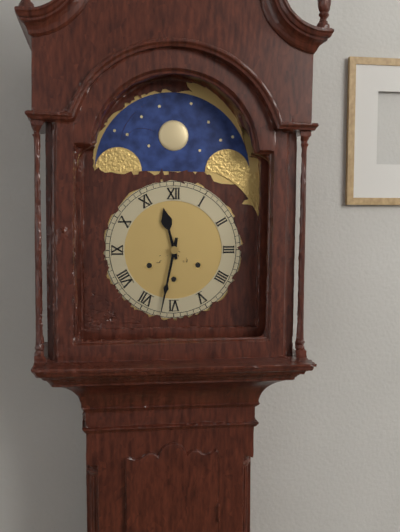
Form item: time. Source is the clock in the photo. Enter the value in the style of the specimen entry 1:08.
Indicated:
11:32
